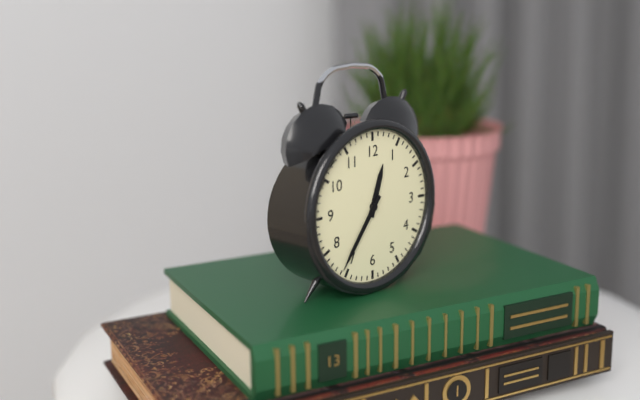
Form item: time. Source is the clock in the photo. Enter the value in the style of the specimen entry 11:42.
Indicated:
12:36
